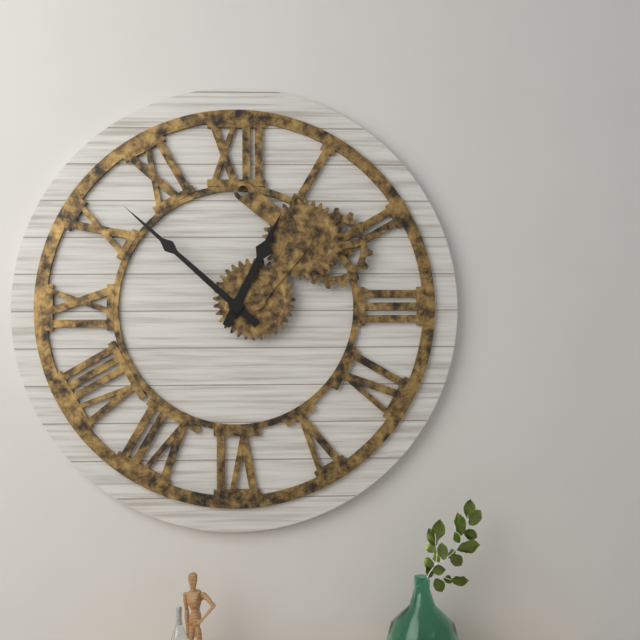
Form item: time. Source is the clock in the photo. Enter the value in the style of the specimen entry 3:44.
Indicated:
12:52
